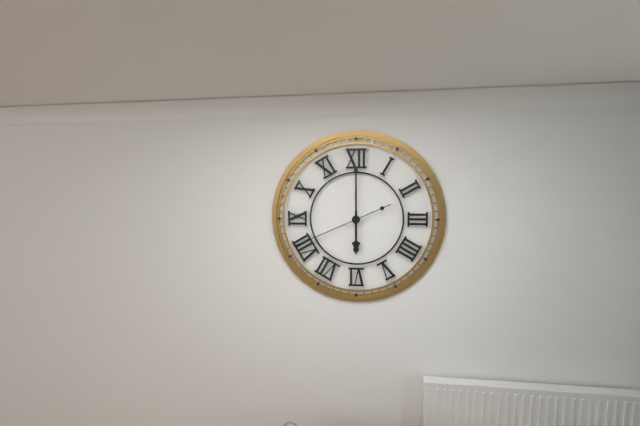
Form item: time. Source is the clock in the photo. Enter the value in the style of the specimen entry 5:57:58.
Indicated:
6:00:41
